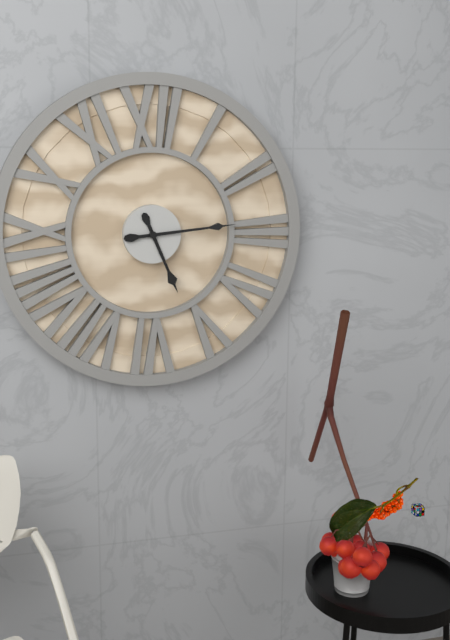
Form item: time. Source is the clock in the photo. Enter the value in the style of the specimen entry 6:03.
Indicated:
5:14
